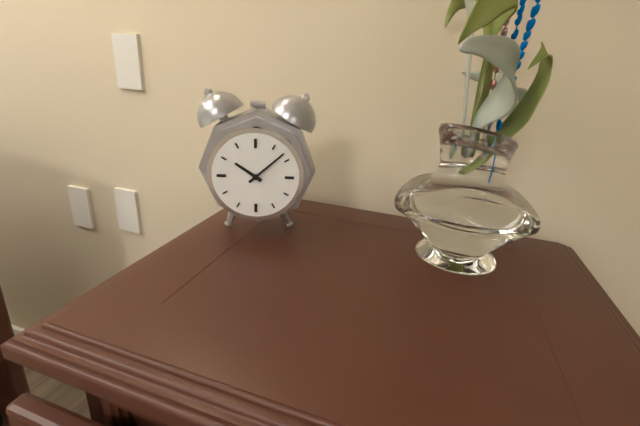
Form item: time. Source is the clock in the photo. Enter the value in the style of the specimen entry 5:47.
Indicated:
10:08
